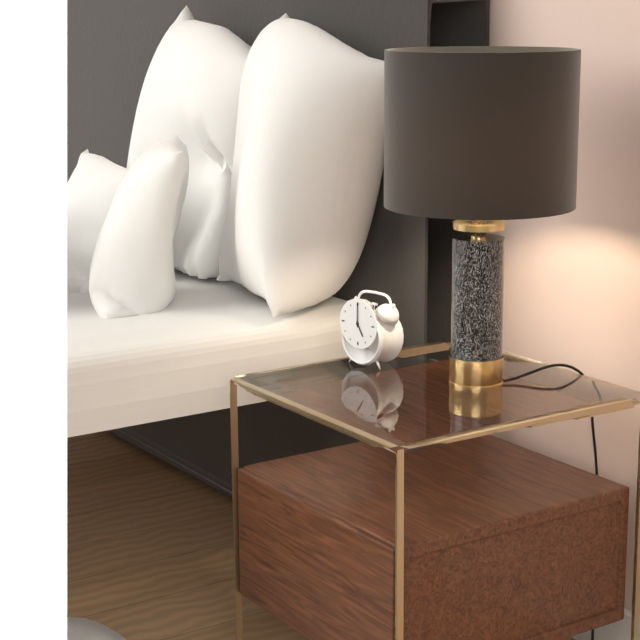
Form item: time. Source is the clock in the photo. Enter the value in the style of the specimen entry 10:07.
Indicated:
5:00
